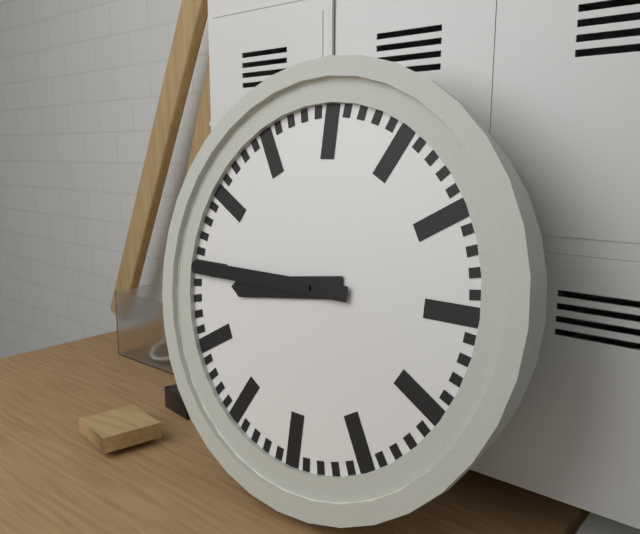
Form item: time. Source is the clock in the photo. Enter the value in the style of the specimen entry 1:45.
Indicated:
8:45
